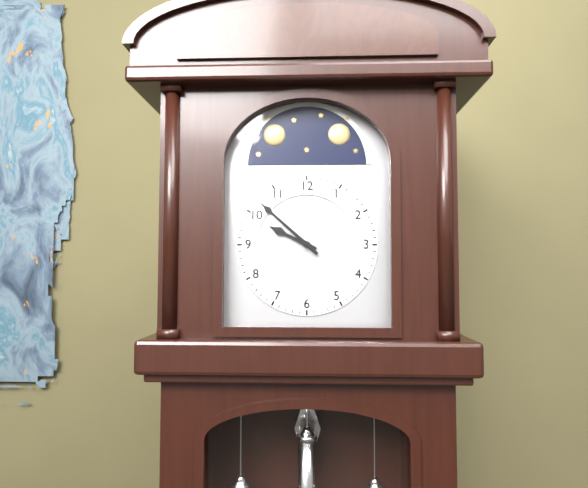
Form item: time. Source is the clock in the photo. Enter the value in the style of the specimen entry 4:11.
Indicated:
9:52
